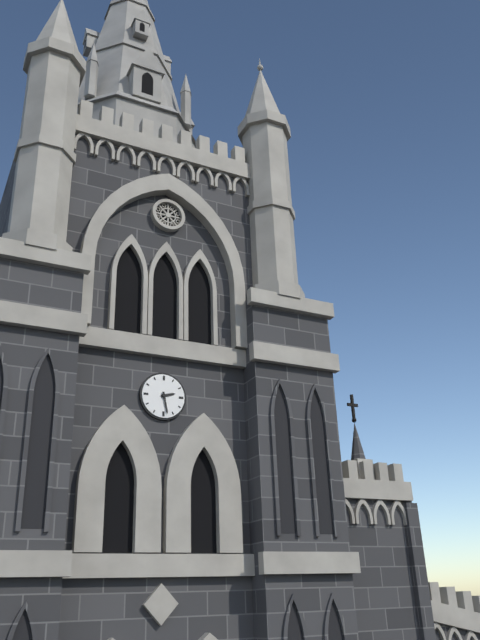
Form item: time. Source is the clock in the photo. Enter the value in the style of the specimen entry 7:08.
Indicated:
2:28
